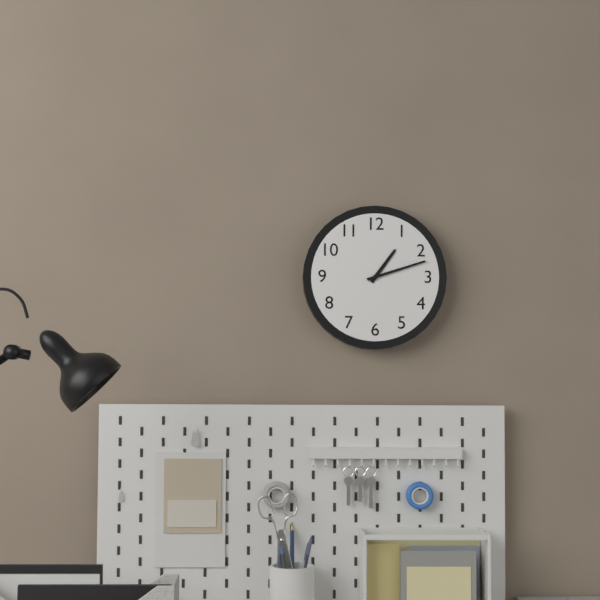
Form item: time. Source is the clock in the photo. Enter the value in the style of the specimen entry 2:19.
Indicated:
1:12
